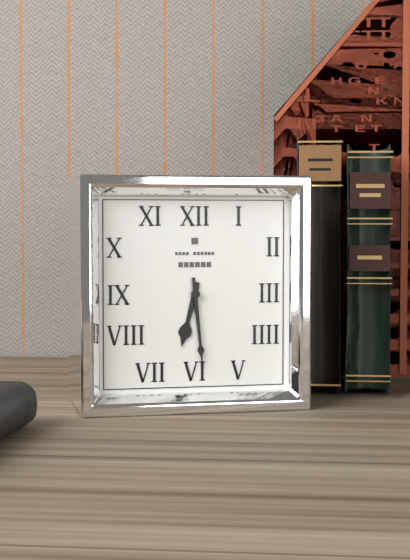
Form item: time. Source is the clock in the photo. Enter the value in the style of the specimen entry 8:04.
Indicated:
6:29
